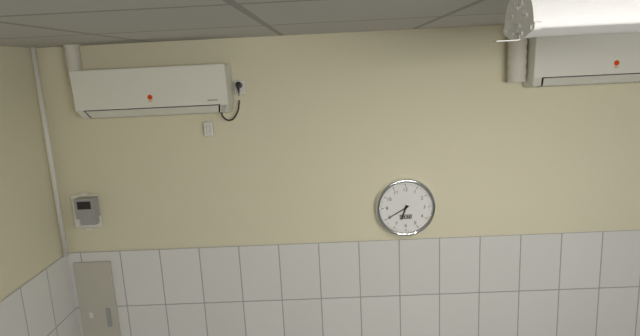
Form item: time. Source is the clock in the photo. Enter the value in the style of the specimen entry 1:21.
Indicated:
6:40
